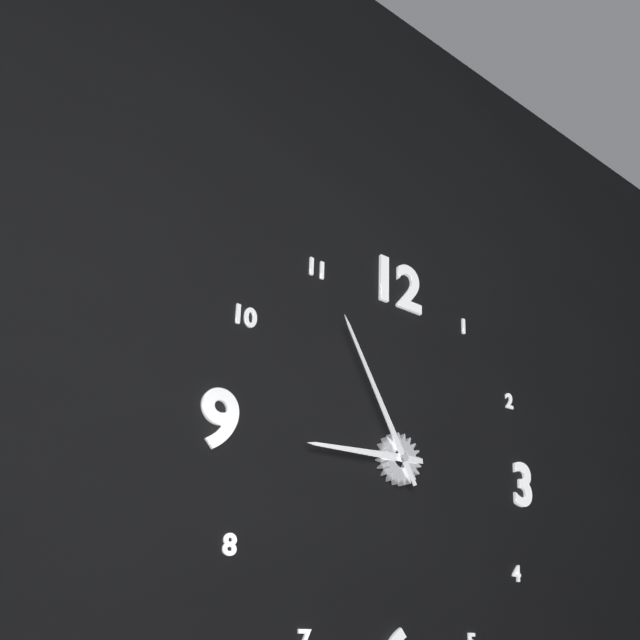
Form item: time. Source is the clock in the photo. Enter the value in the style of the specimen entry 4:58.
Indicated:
8:55
